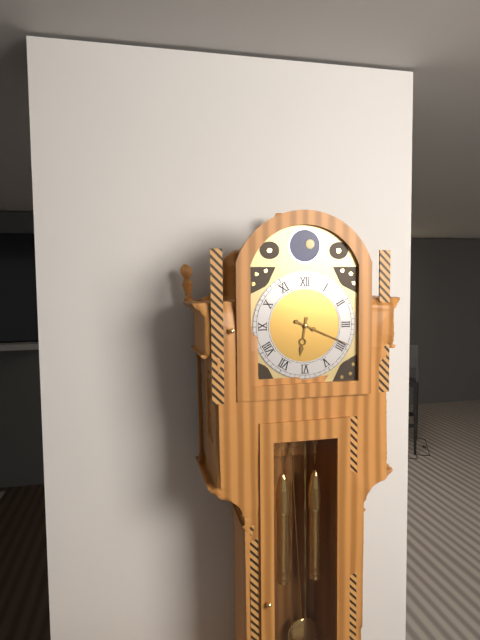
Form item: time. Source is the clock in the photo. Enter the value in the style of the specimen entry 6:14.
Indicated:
6:19
